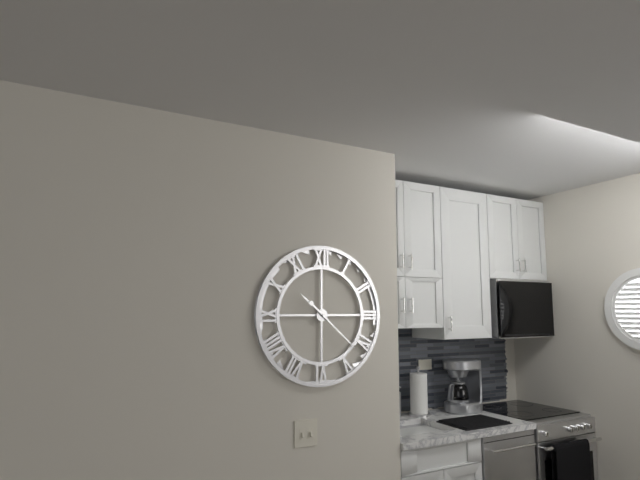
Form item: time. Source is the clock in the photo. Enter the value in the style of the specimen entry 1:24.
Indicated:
10:22
